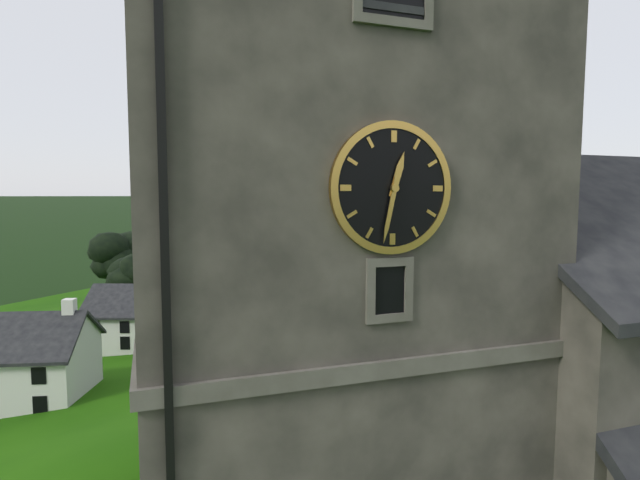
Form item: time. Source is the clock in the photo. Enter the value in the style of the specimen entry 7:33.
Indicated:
12:32
